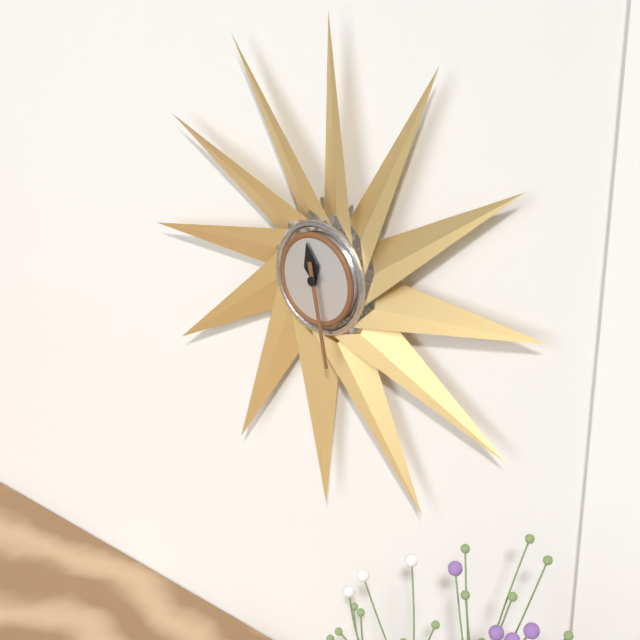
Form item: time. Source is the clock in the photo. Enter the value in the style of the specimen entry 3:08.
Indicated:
11:28
